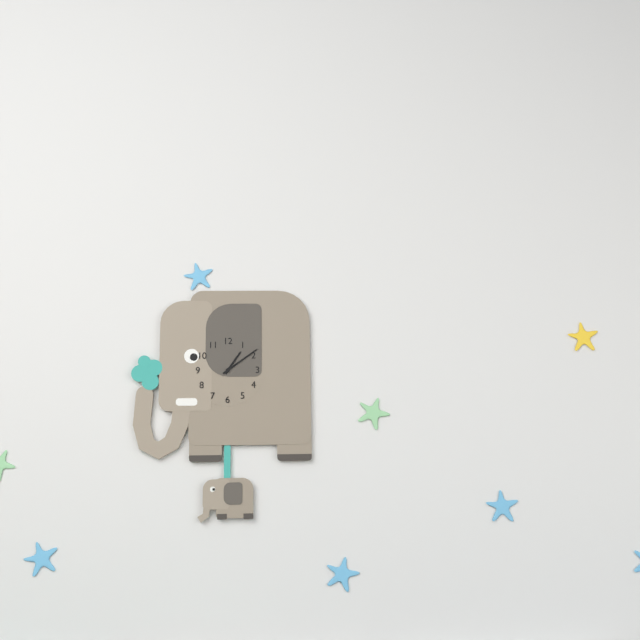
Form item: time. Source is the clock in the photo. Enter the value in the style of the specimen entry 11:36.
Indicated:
1:09
